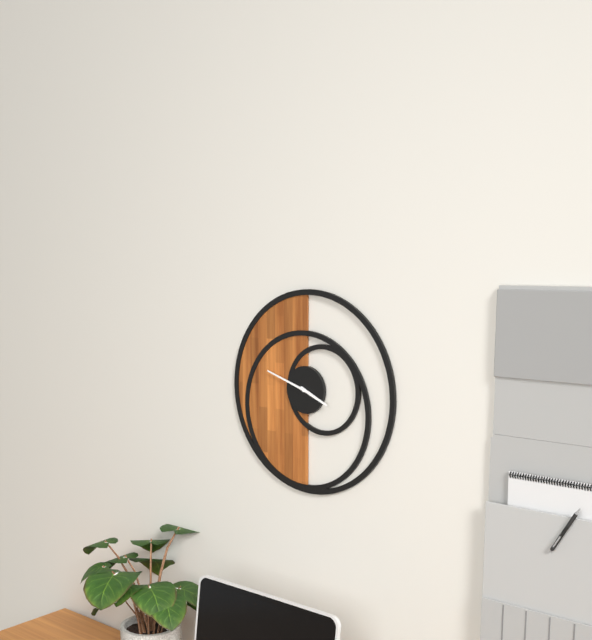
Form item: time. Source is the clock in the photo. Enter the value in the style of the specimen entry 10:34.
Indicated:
3:48
